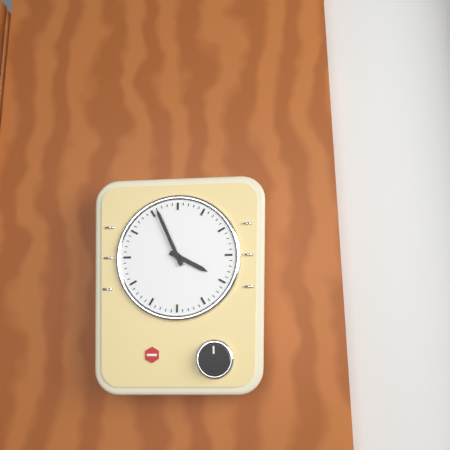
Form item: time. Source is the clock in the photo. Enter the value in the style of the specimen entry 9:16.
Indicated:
3:56
